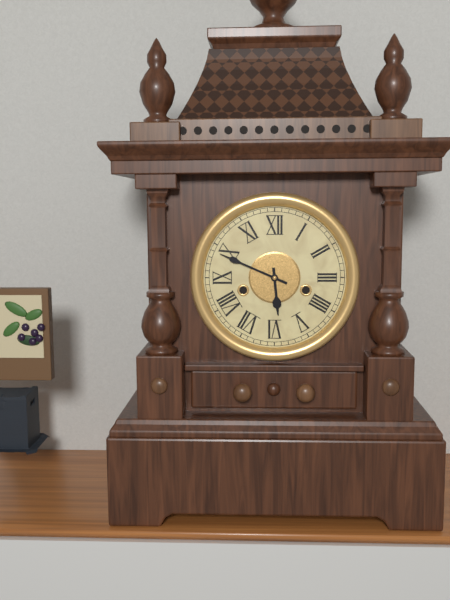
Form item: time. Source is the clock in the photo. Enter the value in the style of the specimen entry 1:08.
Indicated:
5:49
